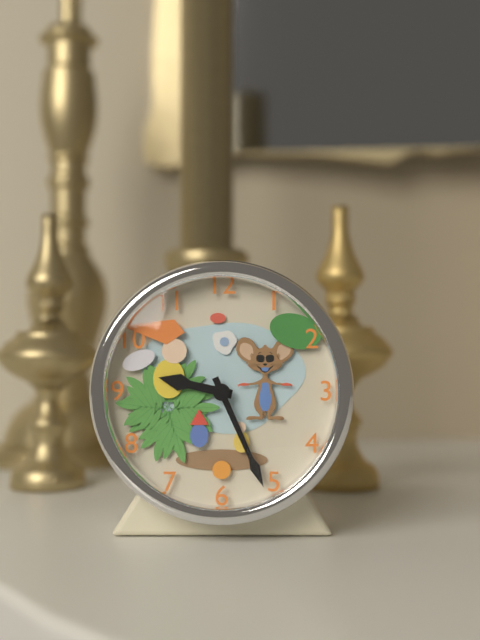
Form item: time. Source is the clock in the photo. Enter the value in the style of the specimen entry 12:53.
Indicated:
9:26
